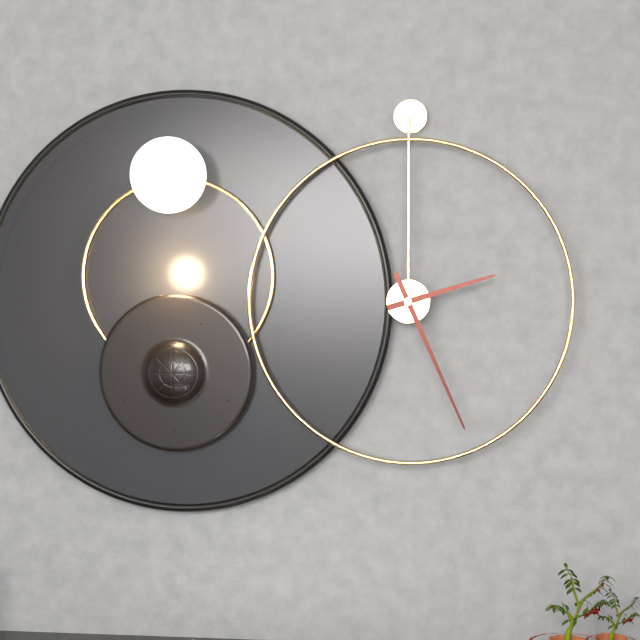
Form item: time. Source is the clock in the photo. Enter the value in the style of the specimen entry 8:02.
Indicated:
2:26
